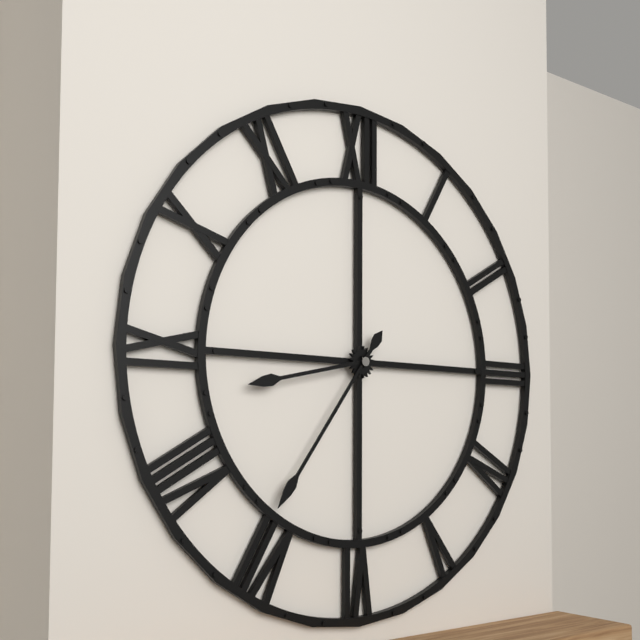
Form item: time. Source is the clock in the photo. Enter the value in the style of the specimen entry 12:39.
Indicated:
8:36
